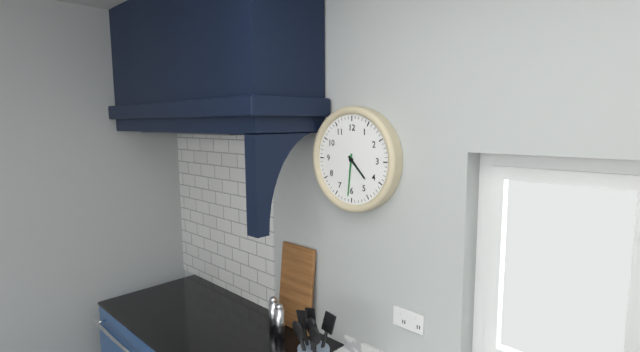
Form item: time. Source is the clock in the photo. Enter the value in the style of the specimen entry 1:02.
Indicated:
4:31
